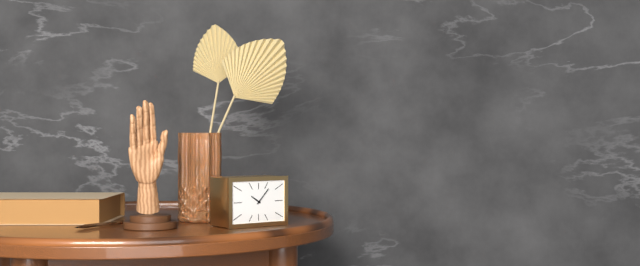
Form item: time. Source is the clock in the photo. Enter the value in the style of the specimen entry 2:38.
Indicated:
10:07
